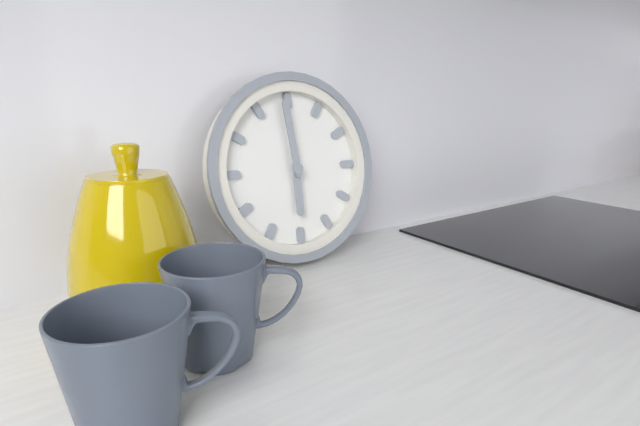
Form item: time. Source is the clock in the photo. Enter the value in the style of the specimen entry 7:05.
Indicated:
5:59
